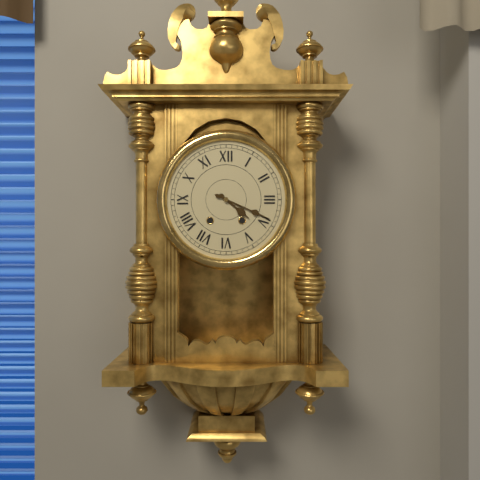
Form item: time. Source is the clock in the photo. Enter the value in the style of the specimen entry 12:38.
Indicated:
4:19
